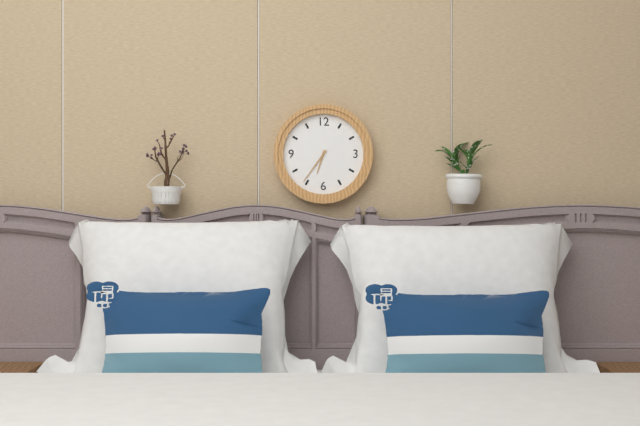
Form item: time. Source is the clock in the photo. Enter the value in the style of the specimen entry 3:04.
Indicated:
6:36
